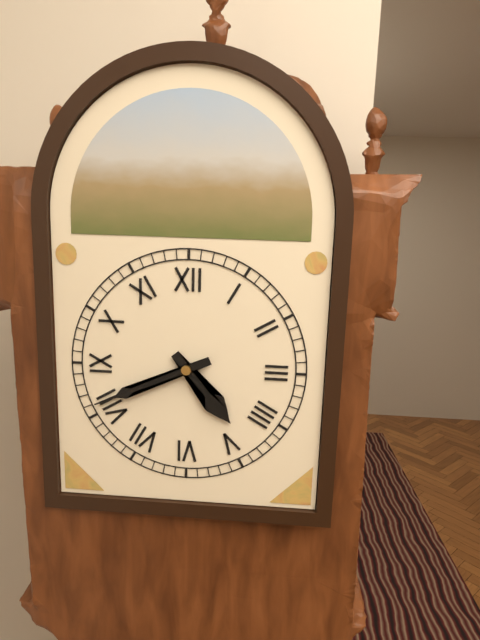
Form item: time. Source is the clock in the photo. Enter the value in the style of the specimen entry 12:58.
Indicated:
4:41
